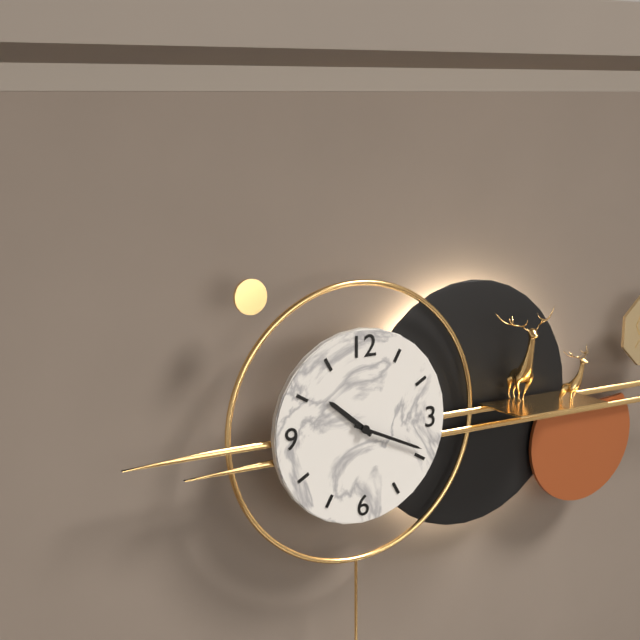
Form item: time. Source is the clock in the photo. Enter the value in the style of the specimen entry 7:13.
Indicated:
10:19
